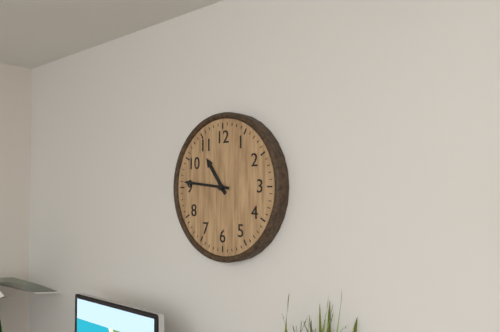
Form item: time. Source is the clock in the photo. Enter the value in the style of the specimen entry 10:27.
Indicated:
10:46
